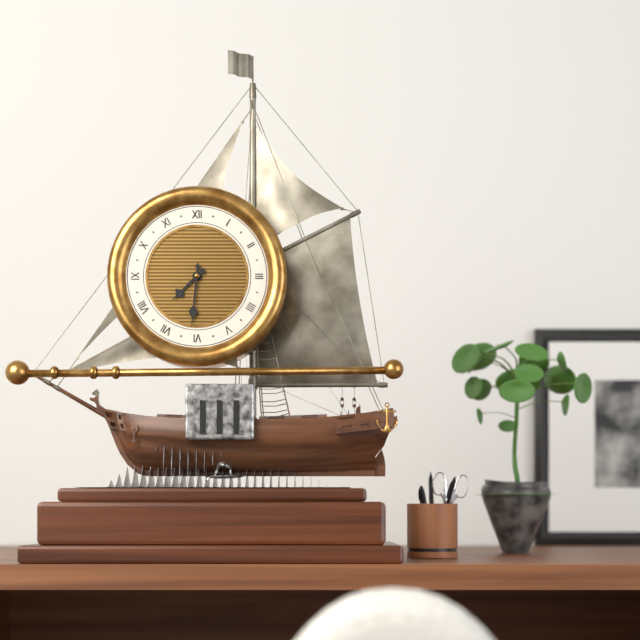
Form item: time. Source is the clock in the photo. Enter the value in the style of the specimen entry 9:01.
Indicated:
7:31
